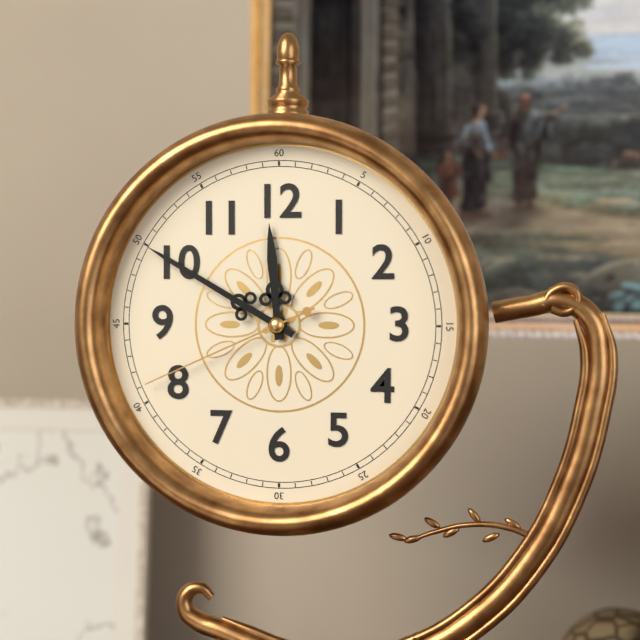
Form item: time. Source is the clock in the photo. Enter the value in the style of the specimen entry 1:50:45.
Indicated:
11:50:41
